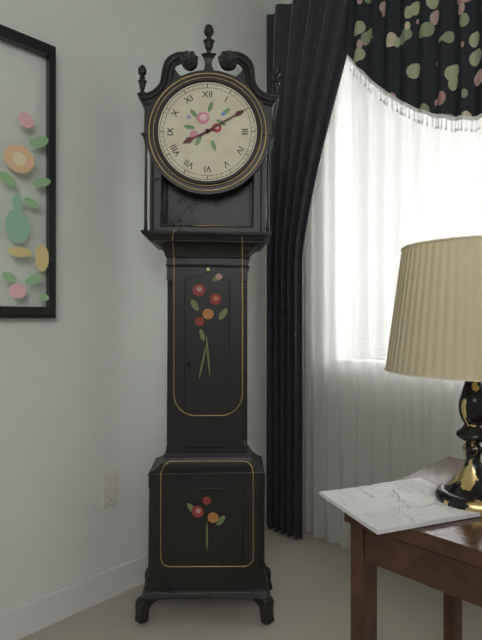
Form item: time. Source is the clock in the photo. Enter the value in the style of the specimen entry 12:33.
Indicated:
8:10
